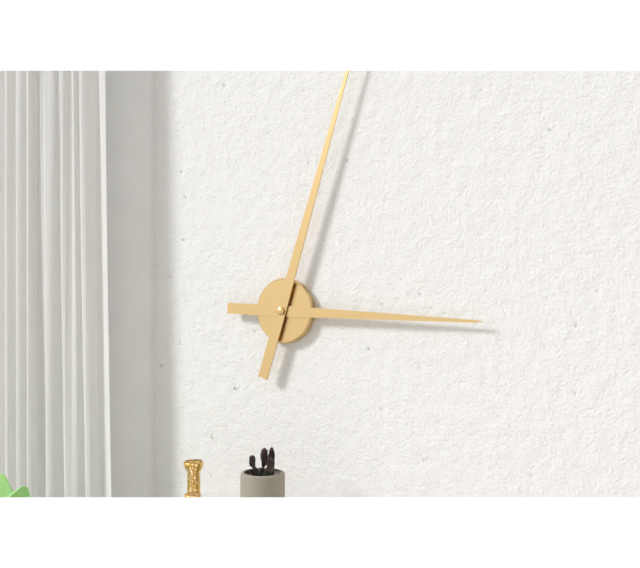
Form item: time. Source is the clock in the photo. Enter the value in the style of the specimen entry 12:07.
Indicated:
3:03
